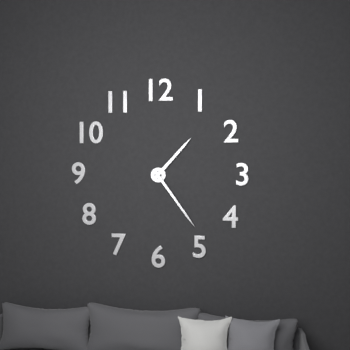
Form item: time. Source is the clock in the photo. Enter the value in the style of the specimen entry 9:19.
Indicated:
1:24
